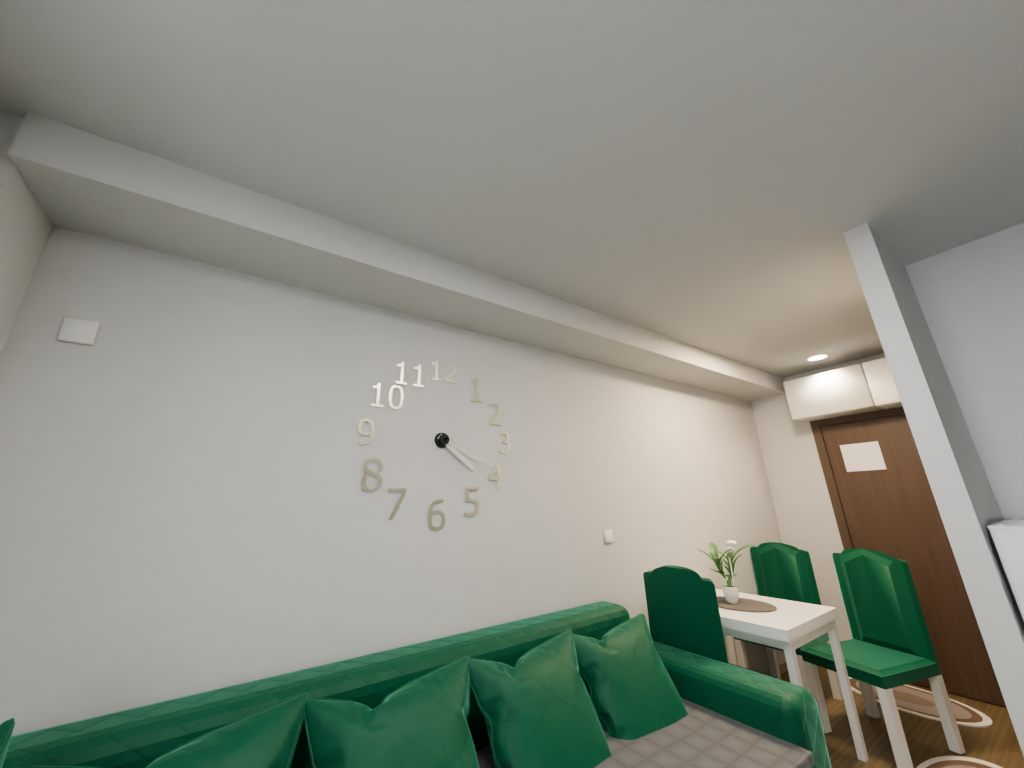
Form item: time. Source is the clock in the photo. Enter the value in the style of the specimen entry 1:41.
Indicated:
4:19
